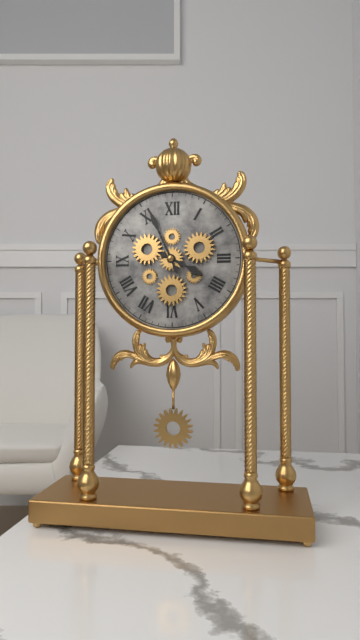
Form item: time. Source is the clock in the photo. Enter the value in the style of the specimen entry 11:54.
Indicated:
3:56
